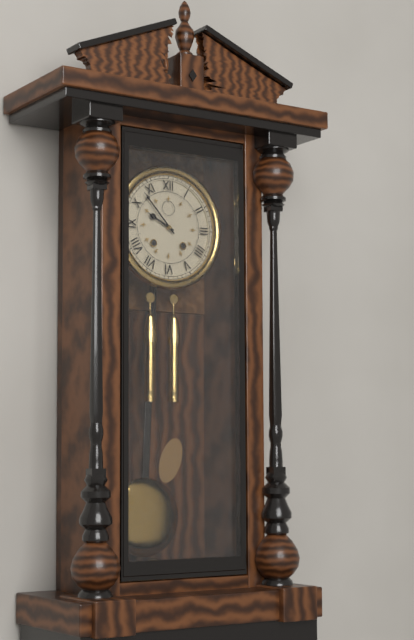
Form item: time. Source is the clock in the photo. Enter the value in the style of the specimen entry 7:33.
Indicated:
9:53
